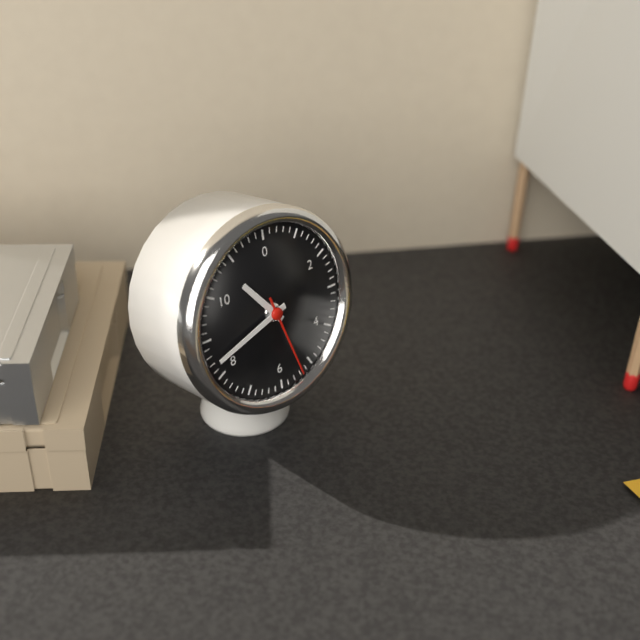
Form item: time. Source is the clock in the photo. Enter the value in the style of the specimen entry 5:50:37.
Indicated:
10:42:27
